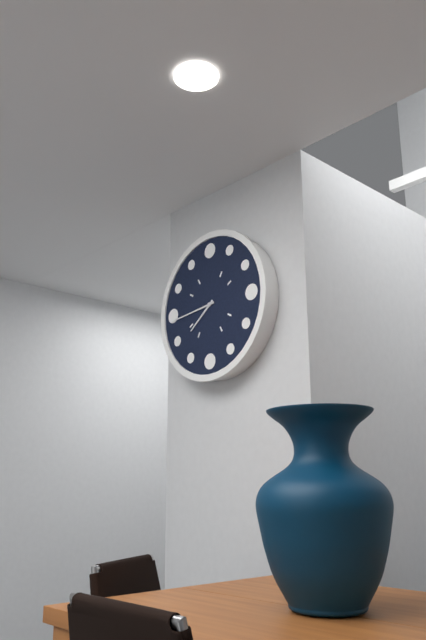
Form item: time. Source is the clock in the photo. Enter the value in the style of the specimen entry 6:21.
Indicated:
7:44
